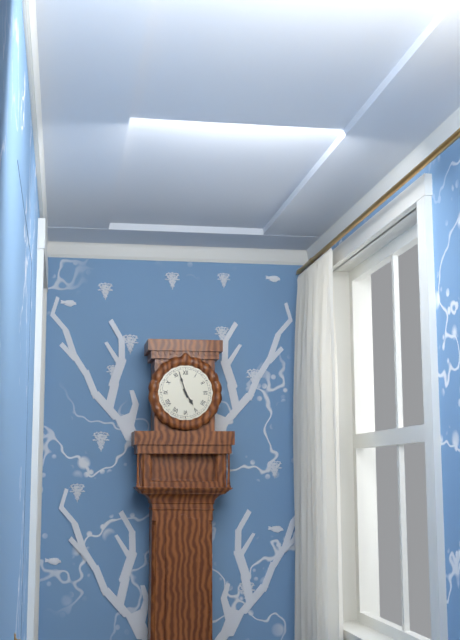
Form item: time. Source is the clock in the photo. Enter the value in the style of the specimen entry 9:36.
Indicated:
4:57
